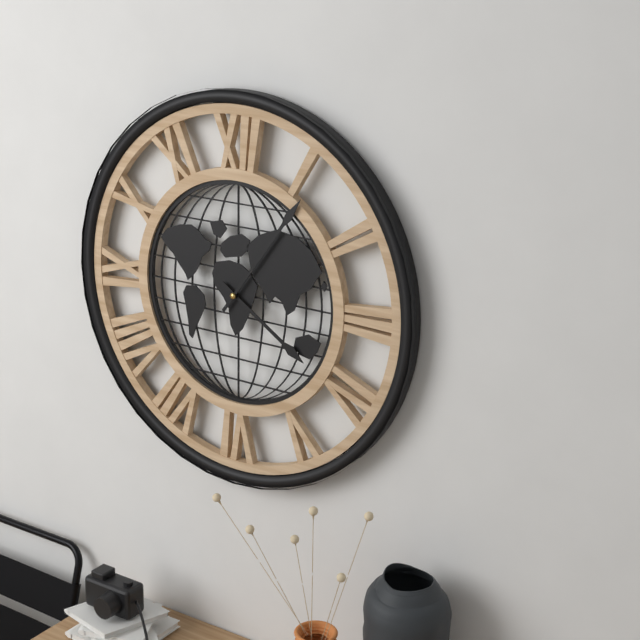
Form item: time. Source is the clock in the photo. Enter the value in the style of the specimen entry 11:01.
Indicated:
4:06
